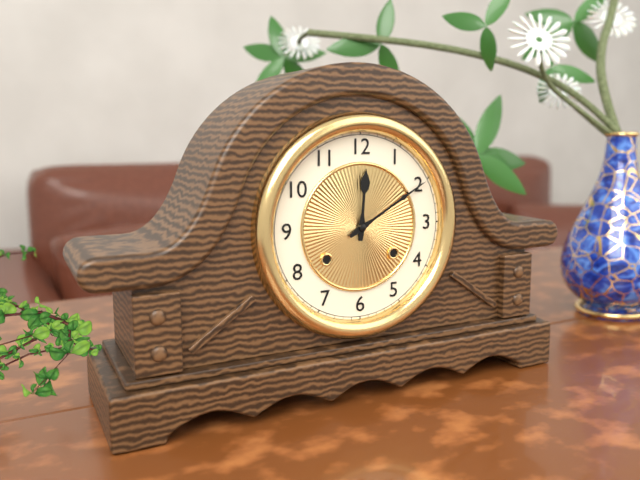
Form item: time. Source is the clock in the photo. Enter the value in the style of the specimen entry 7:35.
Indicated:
12:10
